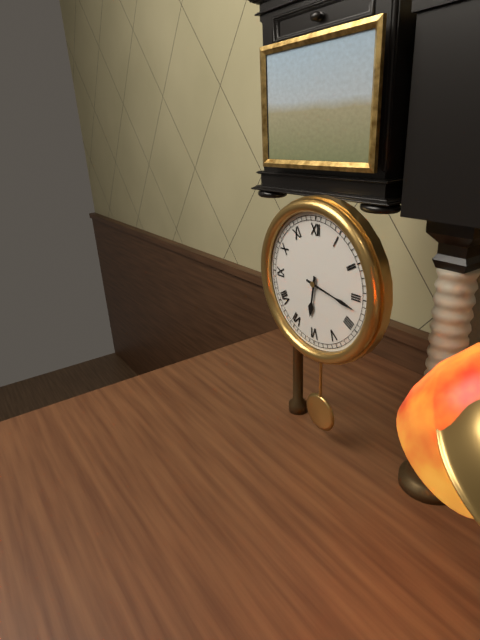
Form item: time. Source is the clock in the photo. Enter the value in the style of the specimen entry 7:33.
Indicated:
6:17
